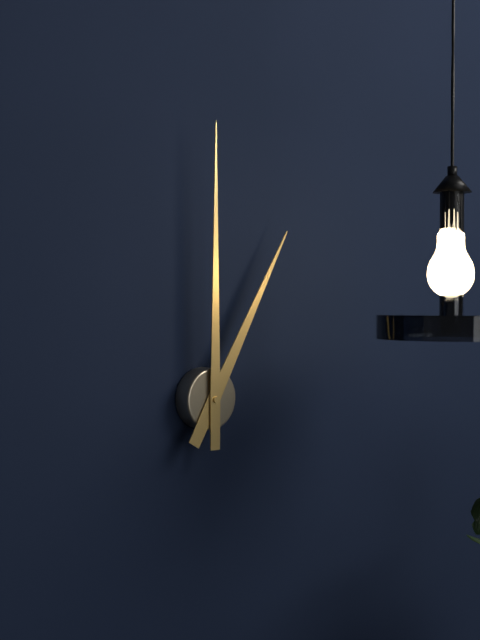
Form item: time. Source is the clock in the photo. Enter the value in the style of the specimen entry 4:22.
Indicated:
1:00
